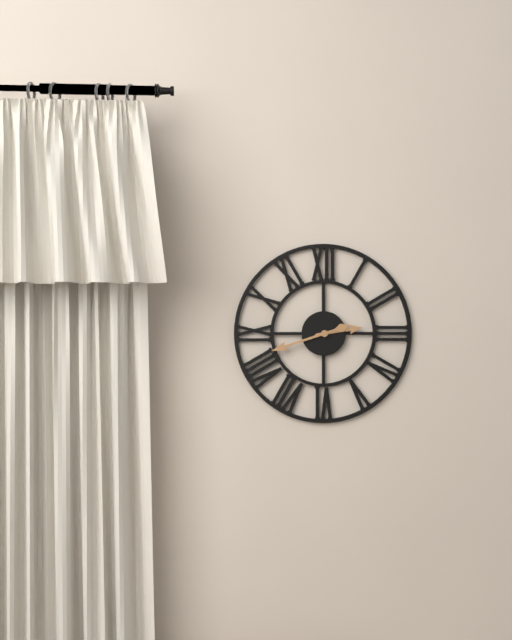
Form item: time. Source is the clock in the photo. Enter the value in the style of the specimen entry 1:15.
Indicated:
2:42
